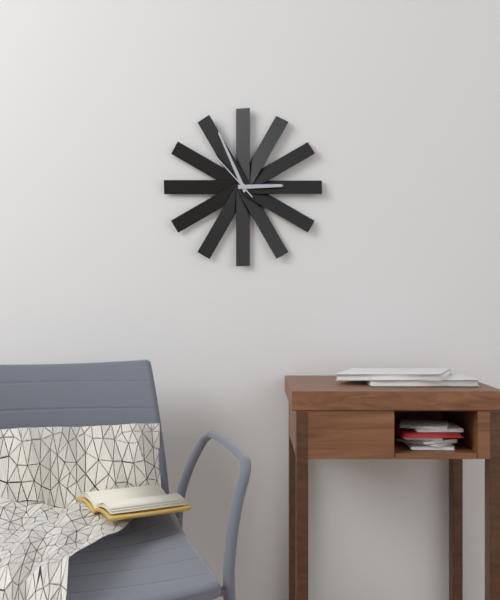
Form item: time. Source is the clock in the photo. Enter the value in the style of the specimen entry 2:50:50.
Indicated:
2:56:53
